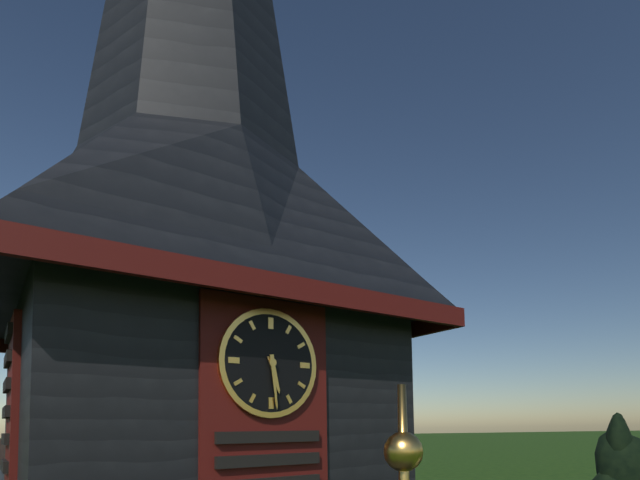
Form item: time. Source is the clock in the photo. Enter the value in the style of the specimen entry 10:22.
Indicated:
5:29
